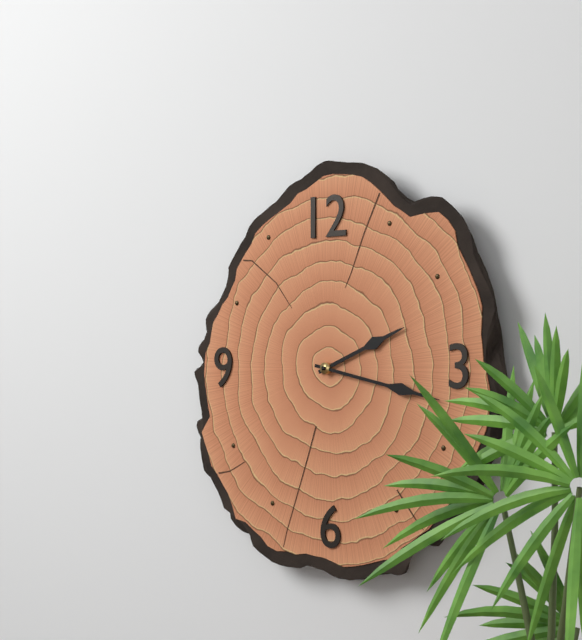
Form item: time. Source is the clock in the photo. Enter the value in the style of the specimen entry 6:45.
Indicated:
2:17
